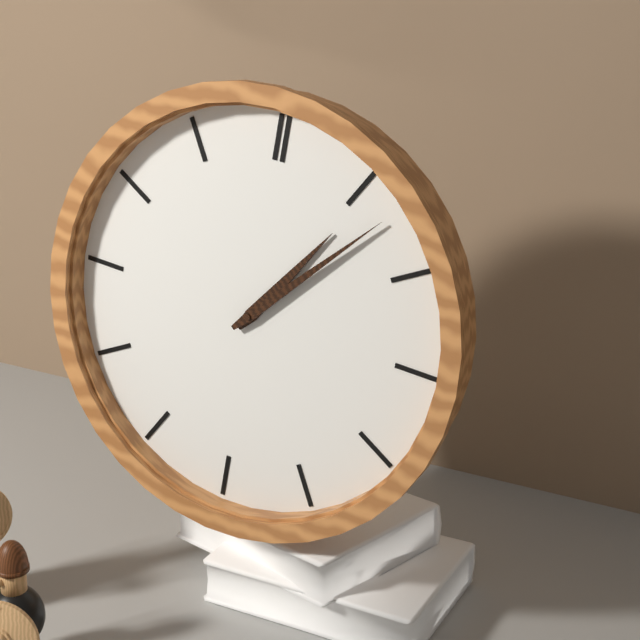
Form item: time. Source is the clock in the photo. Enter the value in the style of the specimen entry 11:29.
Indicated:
1:07
